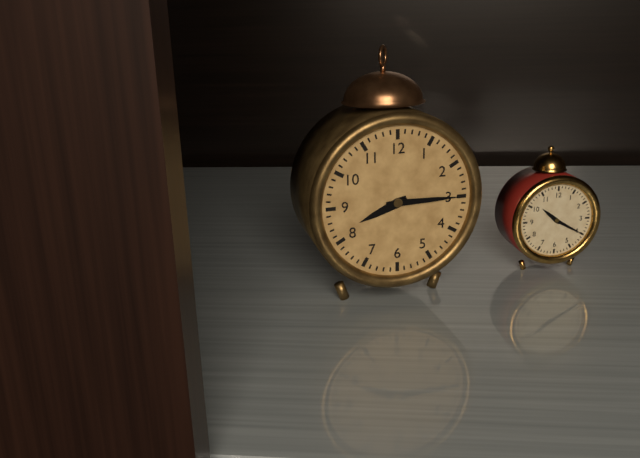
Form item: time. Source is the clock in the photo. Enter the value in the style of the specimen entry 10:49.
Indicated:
8:15
